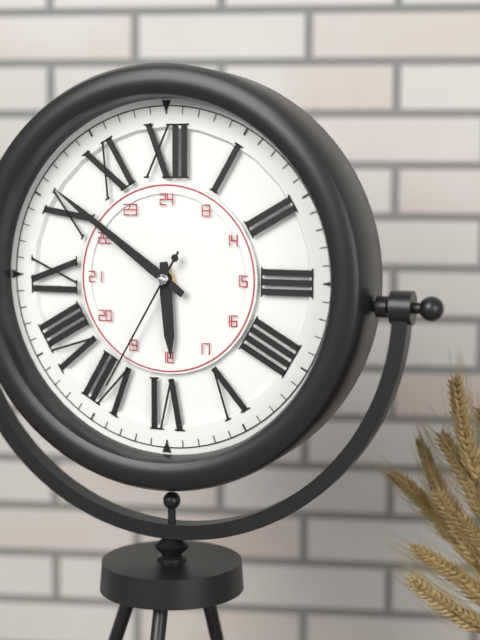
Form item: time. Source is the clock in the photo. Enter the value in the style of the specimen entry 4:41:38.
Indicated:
5:51:35
